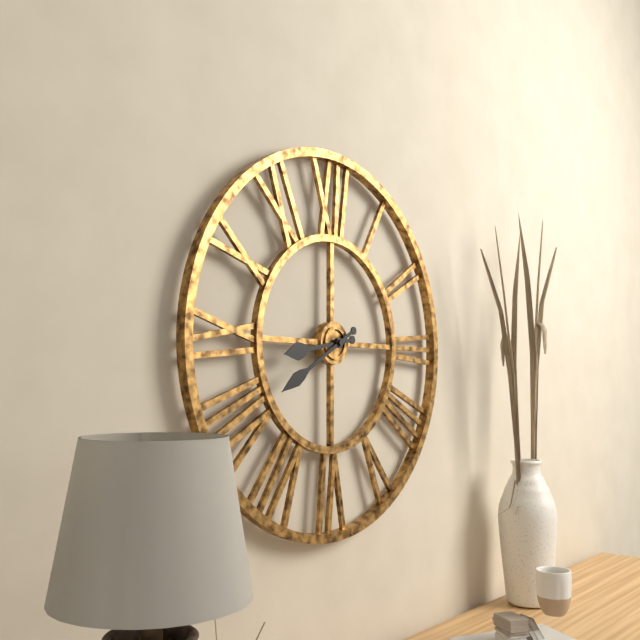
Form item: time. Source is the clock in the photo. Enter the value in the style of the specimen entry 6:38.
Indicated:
8:40
